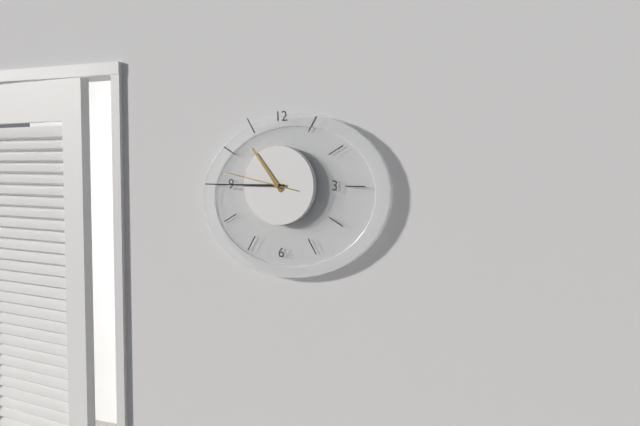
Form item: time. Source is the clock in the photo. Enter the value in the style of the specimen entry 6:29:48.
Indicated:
10:45:47
